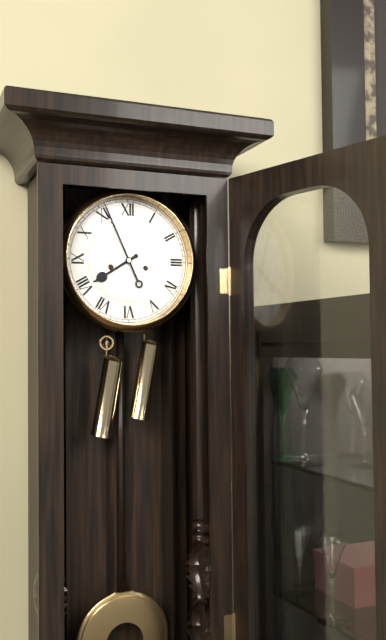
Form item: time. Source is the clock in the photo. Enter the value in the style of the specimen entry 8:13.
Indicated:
7:56
